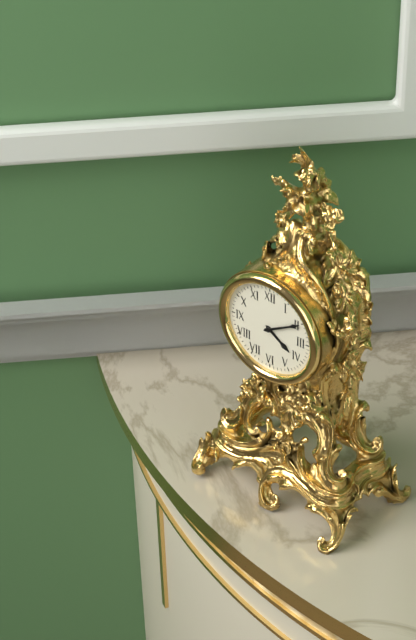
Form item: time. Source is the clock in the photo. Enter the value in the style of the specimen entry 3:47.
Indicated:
4:10
